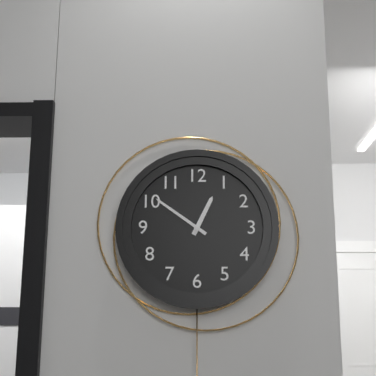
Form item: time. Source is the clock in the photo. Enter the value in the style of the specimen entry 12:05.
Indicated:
12:51
